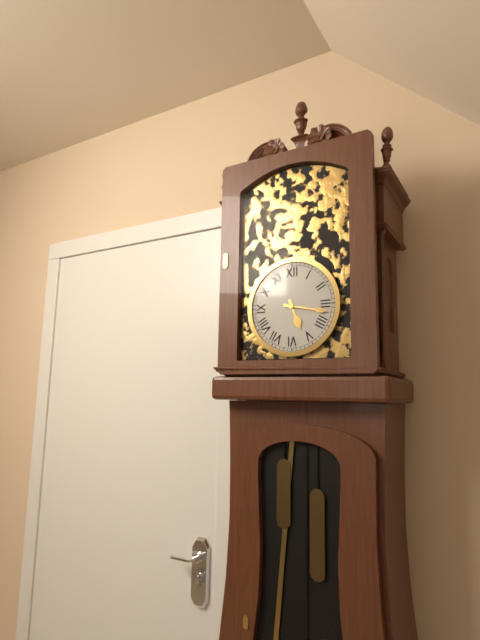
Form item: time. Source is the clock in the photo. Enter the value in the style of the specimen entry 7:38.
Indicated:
5:17
